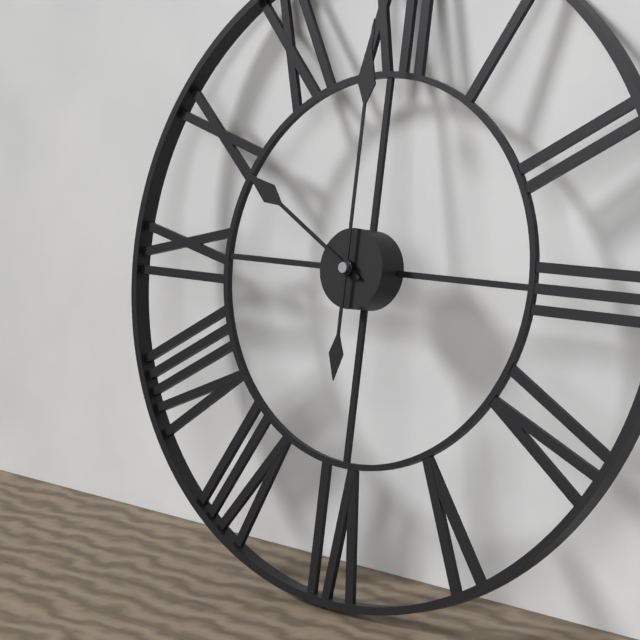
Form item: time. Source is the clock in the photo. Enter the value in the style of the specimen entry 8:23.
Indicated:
10:00
